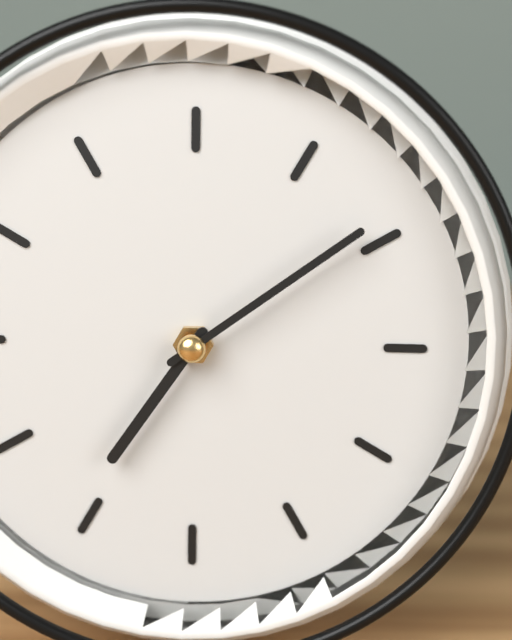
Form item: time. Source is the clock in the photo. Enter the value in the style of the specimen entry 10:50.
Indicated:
7:09
